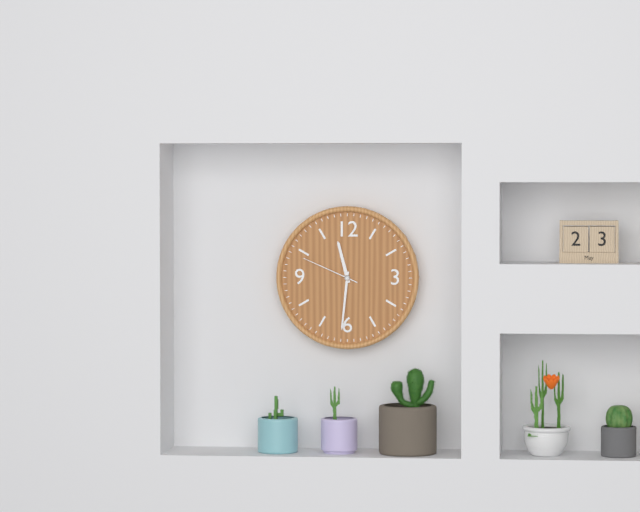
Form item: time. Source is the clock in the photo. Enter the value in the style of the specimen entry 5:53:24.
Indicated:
11:31:49
